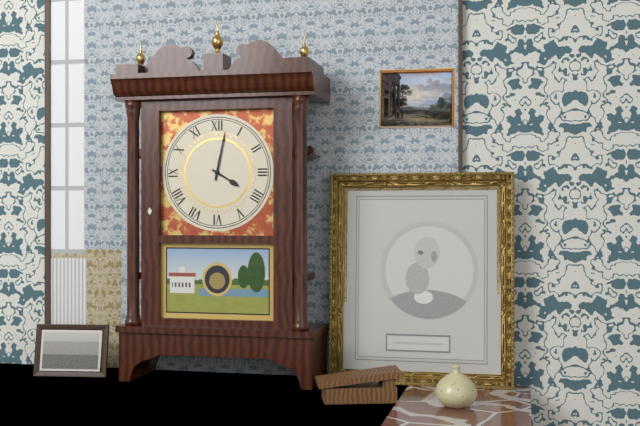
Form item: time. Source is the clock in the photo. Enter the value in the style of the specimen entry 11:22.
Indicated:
4:02
